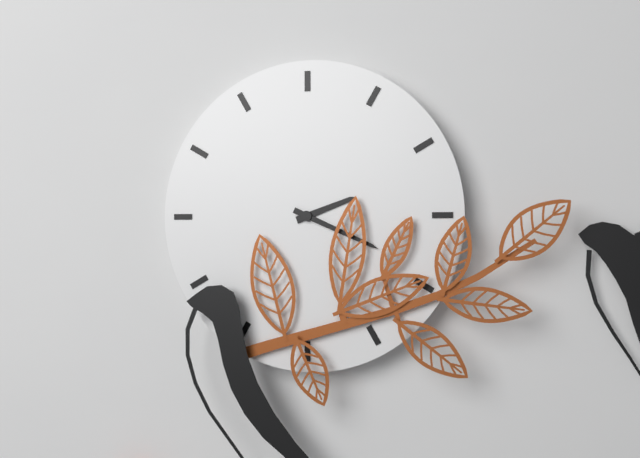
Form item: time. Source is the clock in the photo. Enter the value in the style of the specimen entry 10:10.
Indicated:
2:19
